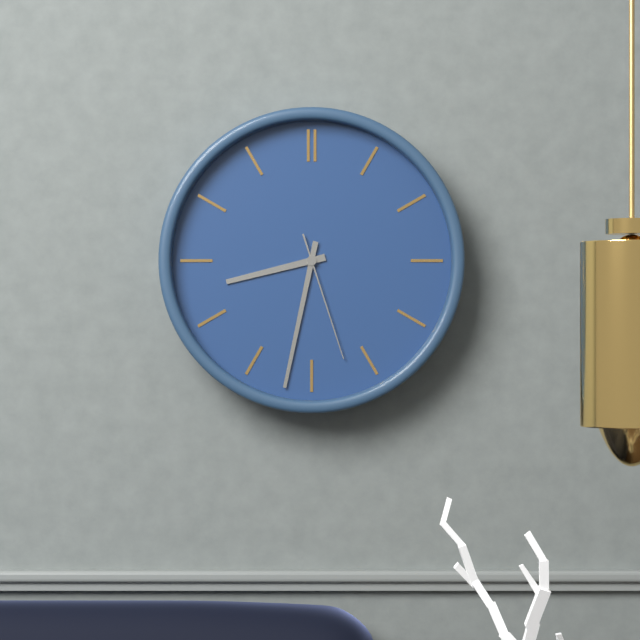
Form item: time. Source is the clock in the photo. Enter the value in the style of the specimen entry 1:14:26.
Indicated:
8:32:27
